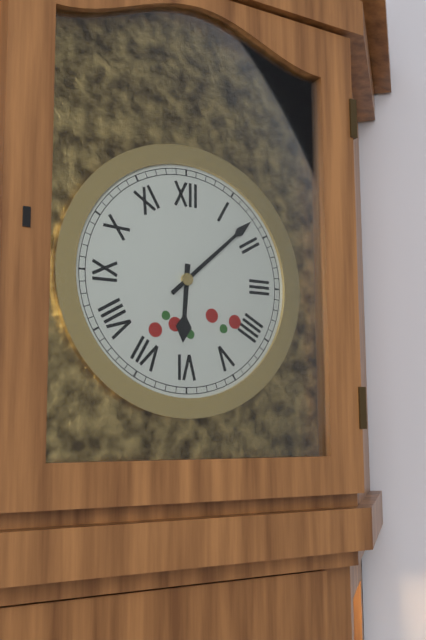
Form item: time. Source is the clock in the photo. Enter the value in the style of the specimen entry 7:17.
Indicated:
6:08
